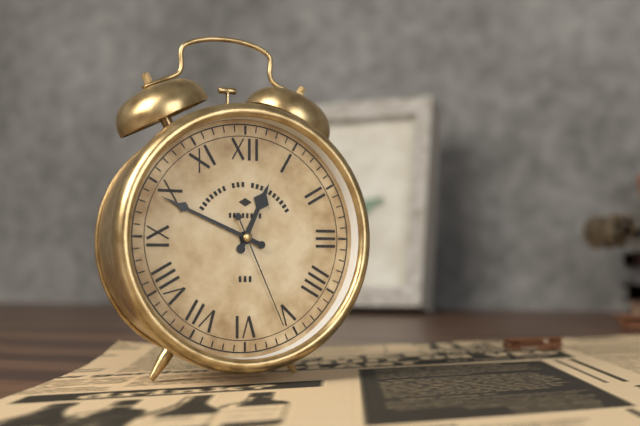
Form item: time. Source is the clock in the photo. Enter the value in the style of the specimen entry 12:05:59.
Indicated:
12:49:26
